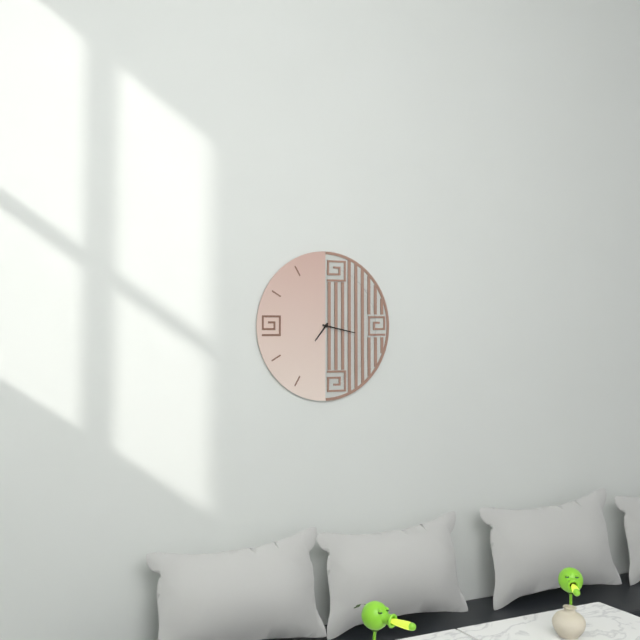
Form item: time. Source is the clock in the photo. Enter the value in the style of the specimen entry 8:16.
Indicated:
7:17
